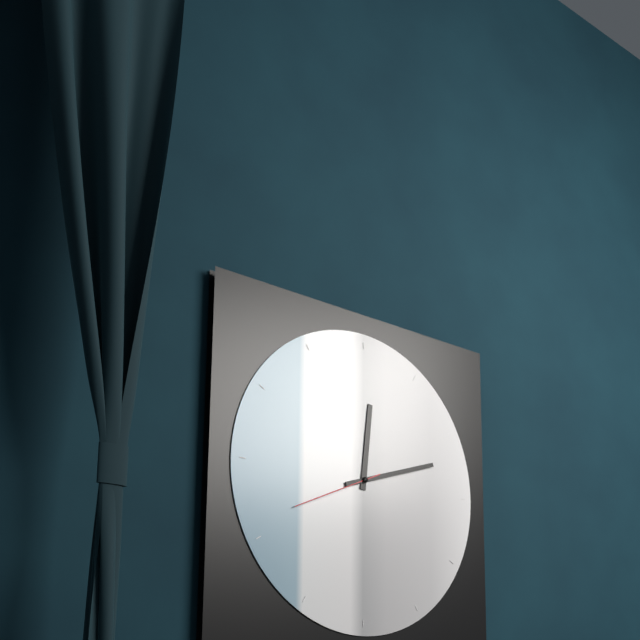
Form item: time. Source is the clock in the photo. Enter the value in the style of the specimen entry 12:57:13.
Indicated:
12:12:41
